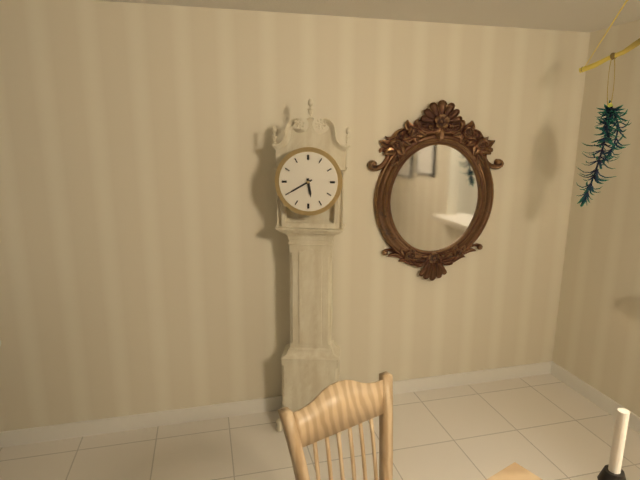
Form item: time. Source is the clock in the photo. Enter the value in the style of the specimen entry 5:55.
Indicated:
5:40
